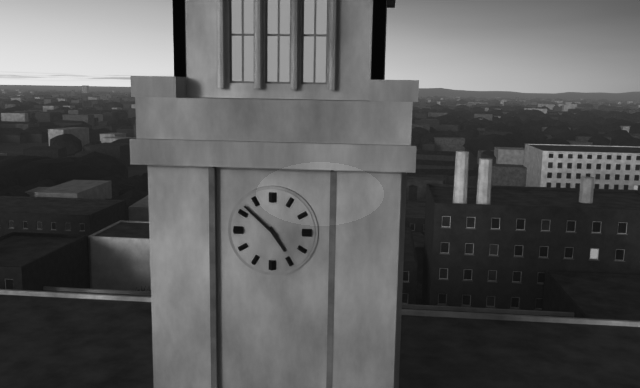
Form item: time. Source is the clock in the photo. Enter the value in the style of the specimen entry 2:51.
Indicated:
4:52
